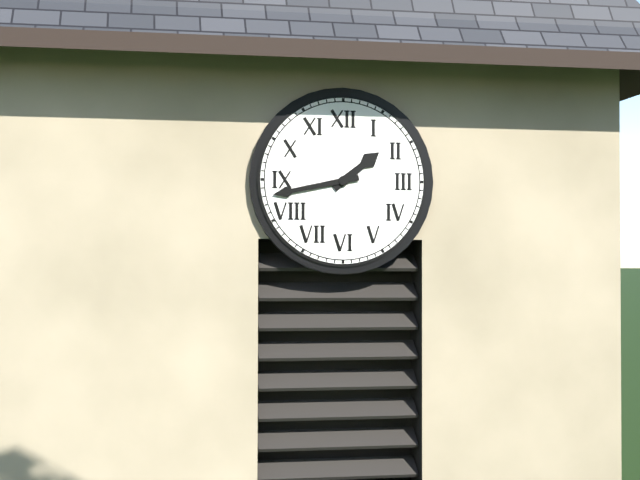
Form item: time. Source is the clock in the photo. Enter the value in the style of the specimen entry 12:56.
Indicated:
1:43
